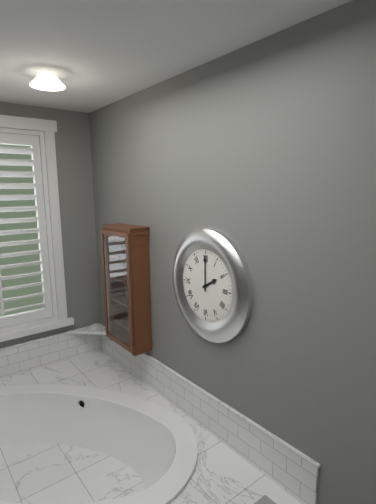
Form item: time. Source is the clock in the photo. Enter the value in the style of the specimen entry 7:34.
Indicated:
2:00
